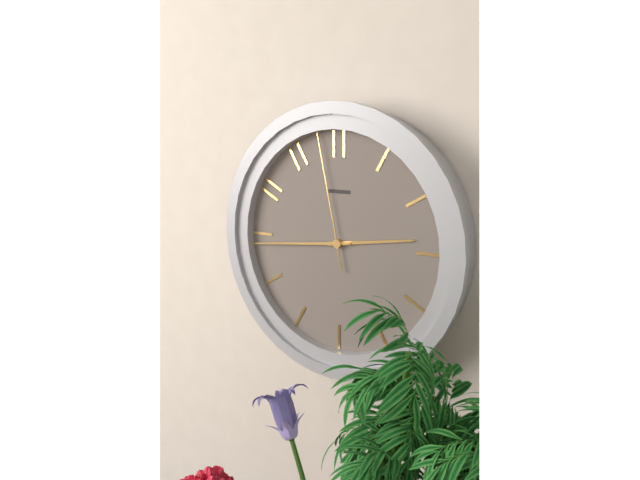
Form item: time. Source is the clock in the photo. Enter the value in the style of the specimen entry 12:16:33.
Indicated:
2:44:58
